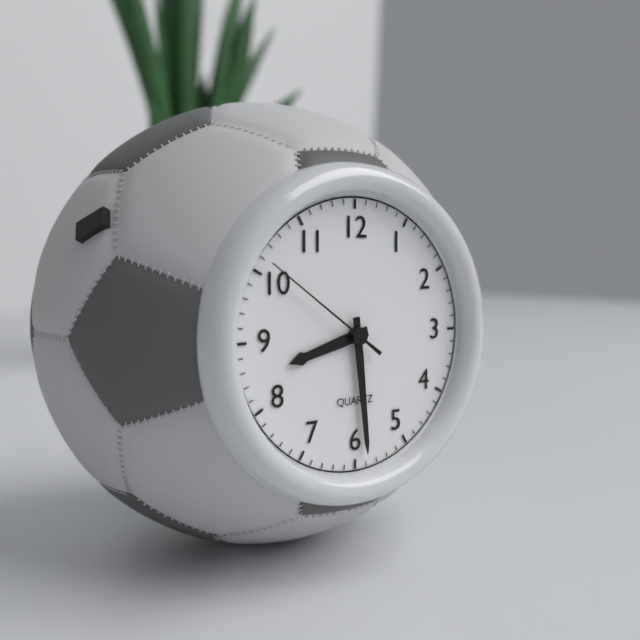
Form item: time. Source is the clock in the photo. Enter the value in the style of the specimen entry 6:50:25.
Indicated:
8:29:51
